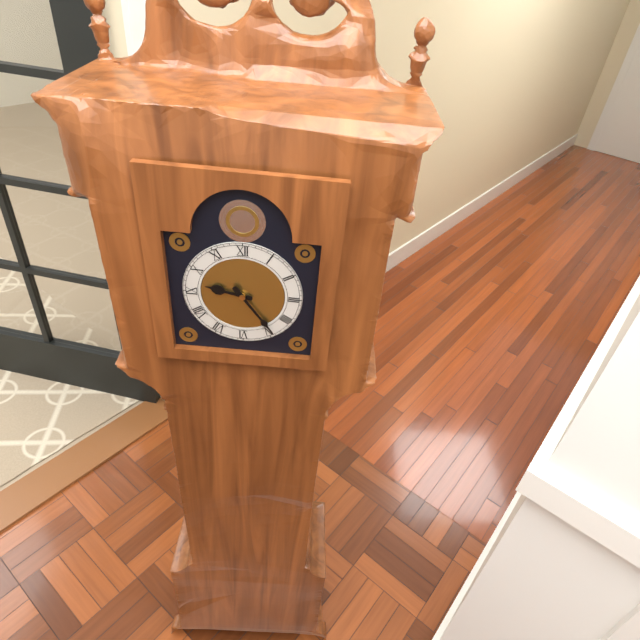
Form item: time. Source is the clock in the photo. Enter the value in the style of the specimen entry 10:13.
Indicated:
9:24
